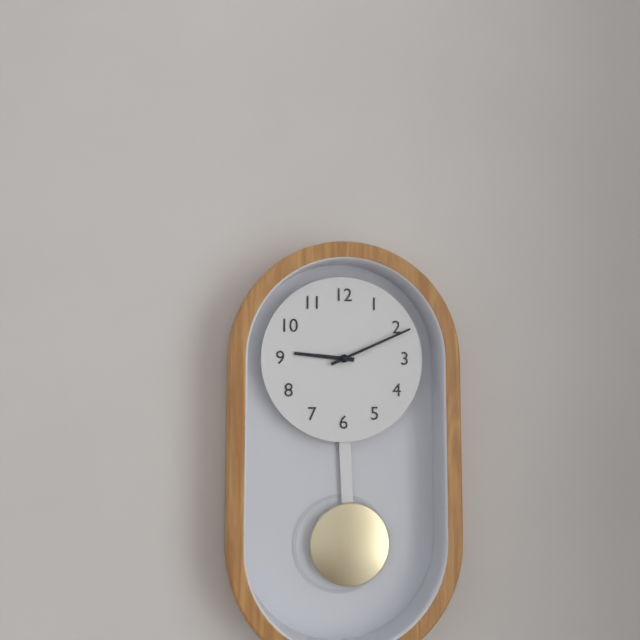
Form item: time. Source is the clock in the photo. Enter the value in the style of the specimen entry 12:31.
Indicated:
9:11
